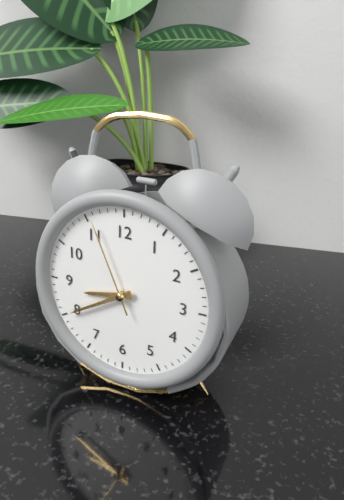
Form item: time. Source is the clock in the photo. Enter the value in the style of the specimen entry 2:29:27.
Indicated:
8:40:56
